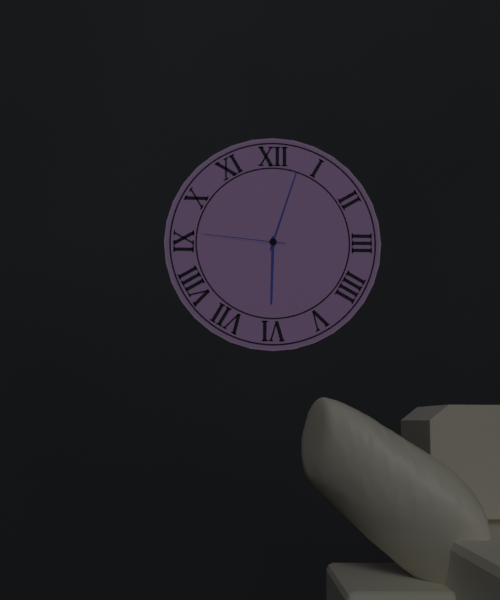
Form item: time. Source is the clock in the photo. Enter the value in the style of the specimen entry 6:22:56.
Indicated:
6:03:46
